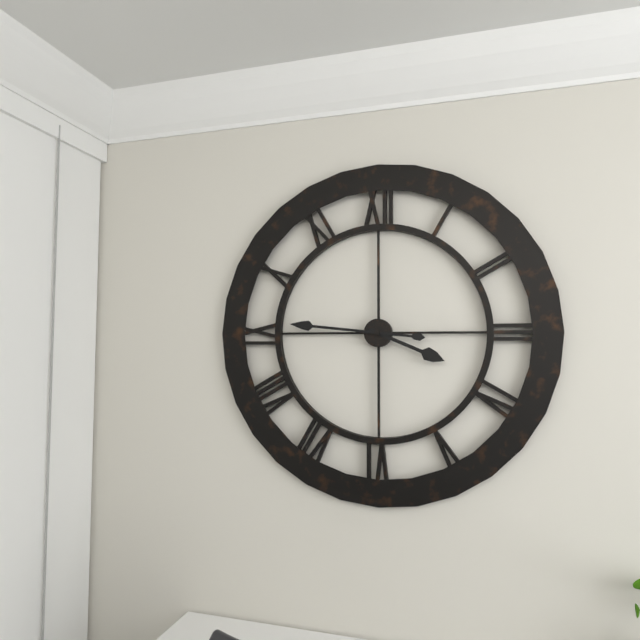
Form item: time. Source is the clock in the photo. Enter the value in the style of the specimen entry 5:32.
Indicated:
3:46
